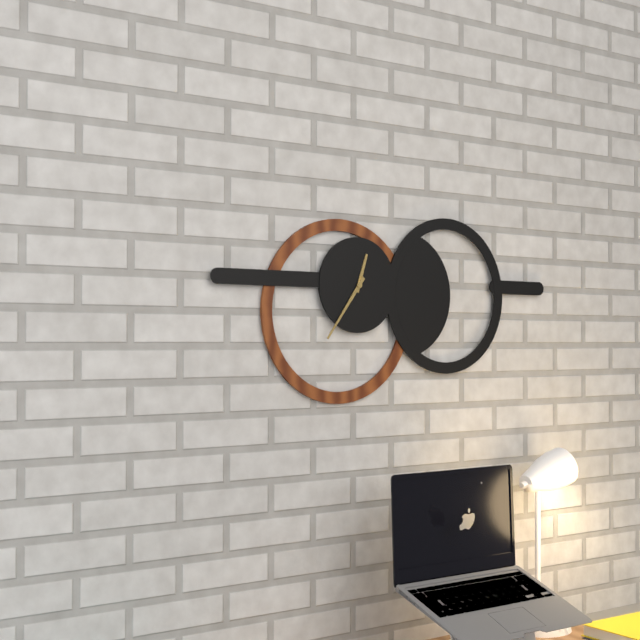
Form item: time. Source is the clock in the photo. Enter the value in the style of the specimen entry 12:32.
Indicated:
12:36
